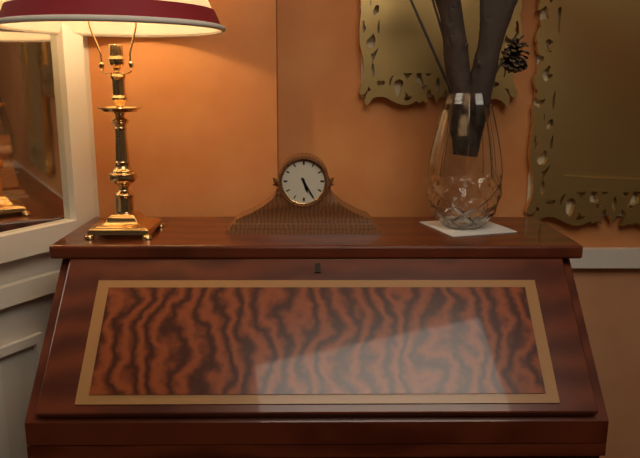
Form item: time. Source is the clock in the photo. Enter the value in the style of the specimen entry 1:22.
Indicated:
5:25
